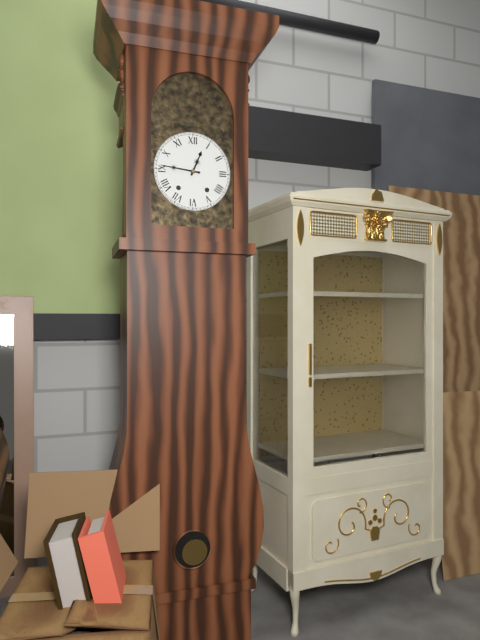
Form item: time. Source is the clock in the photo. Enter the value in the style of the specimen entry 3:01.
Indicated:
12:46
